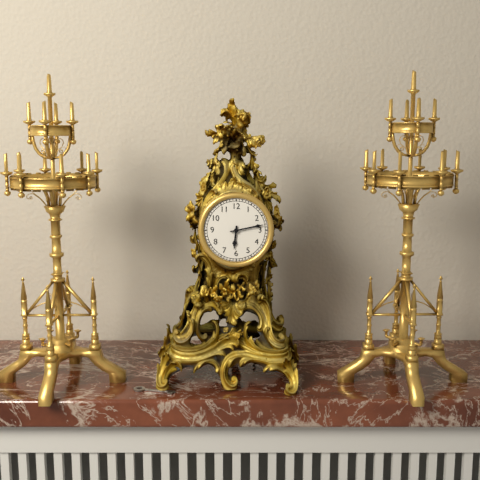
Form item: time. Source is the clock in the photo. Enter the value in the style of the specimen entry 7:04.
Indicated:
6:13
